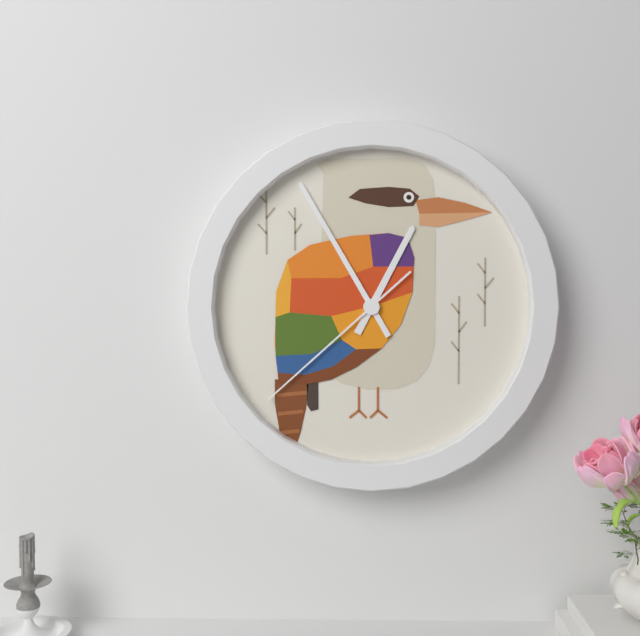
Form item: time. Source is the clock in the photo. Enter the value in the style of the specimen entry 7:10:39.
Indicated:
12:55:38
